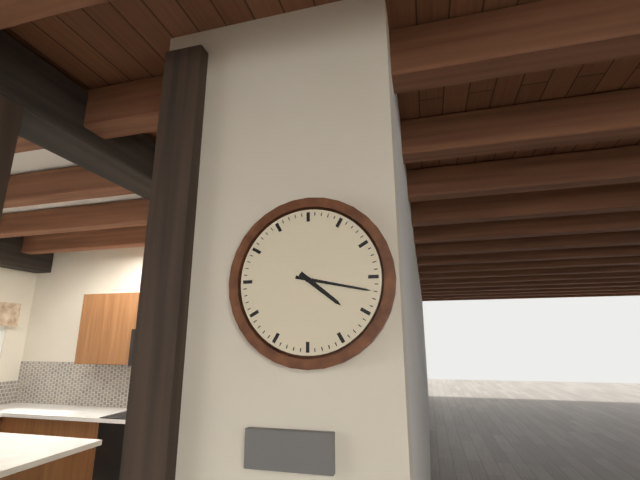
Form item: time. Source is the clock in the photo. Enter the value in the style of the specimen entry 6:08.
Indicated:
4:17
